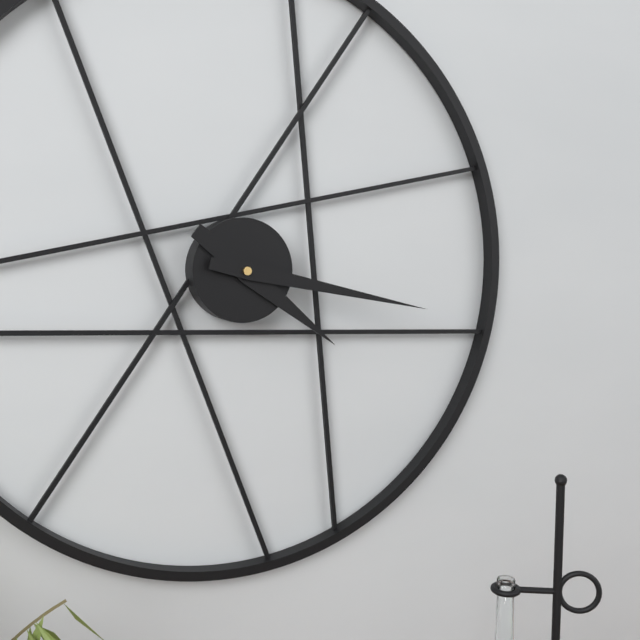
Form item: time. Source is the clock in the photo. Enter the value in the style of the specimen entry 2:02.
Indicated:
4:17
